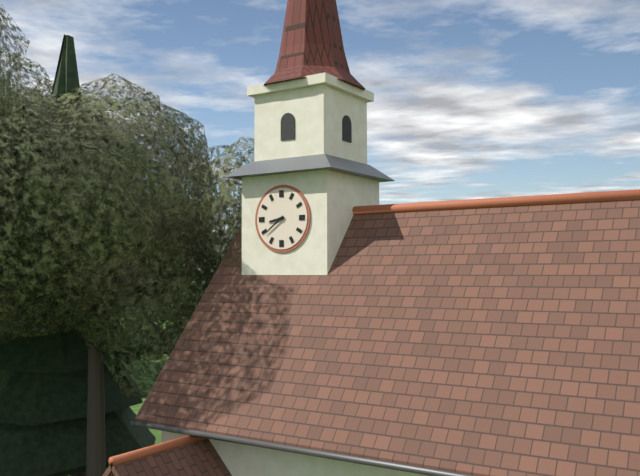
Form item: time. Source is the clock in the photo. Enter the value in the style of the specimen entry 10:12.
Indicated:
8:39
